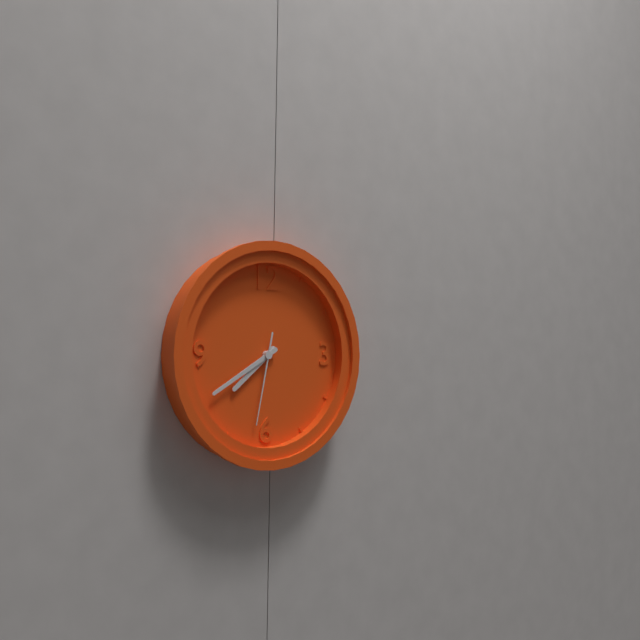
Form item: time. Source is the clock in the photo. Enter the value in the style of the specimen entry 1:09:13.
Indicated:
7:40:32
